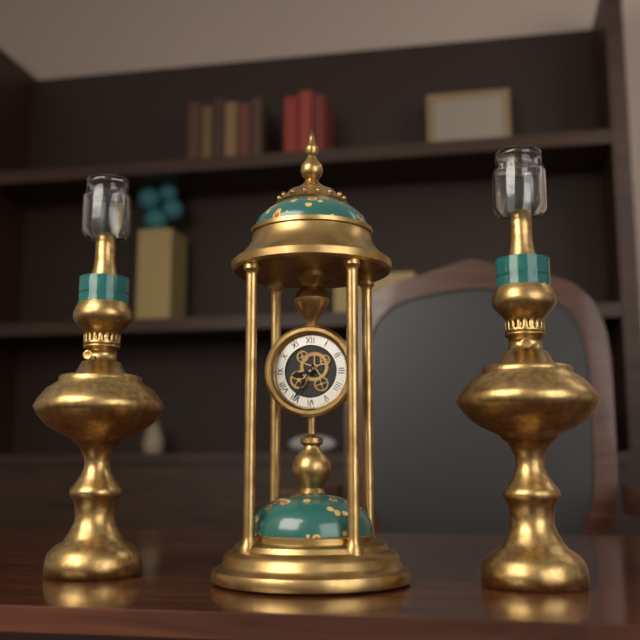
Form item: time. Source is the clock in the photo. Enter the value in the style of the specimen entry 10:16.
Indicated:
8:35
